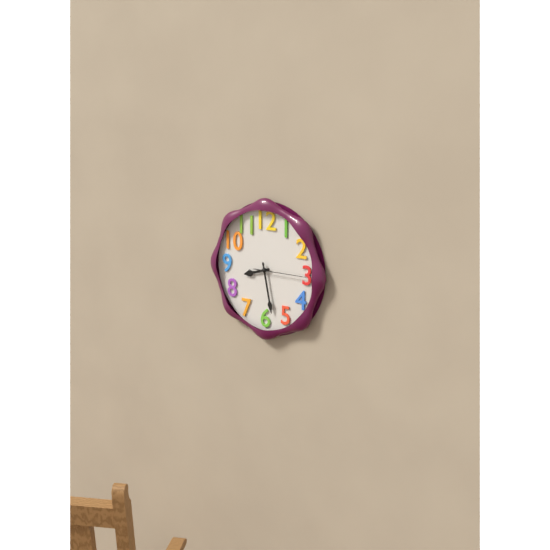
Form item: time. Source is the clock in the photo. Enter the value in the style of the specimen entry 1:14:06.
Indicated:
8:28:15
